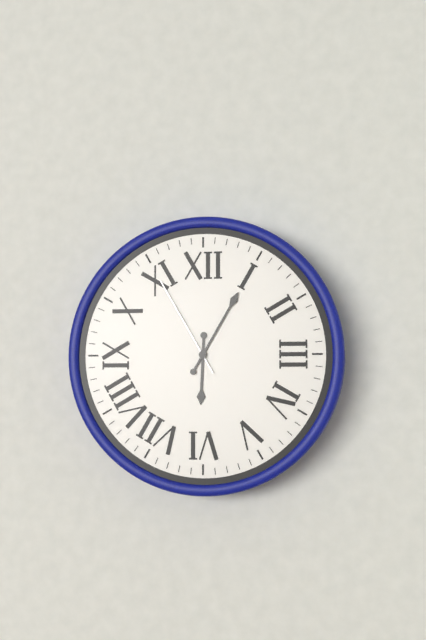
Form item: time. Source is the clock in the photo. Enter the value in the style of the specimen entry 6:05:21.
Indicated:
6:05:55
